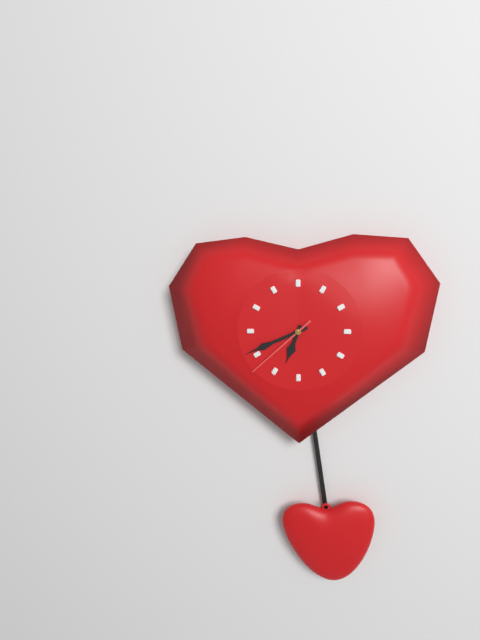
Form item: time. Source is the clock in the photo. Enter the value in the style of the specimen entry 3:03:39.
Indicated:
6:41:38
